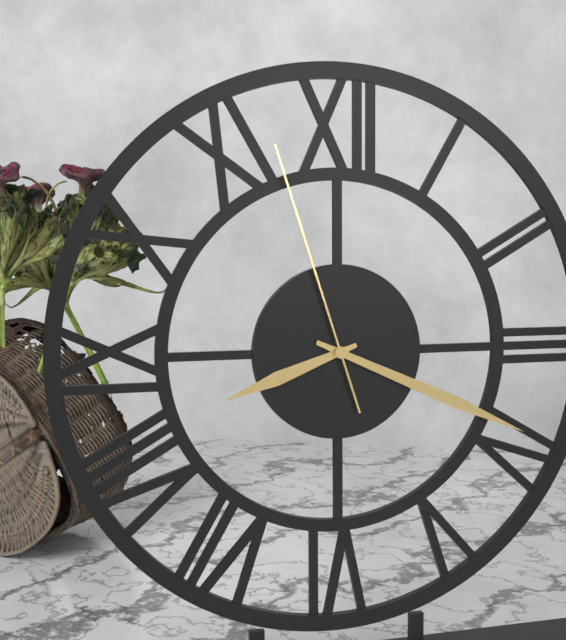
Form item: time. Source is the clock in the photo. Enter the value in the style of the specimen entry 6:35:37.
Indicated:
8:19:57
